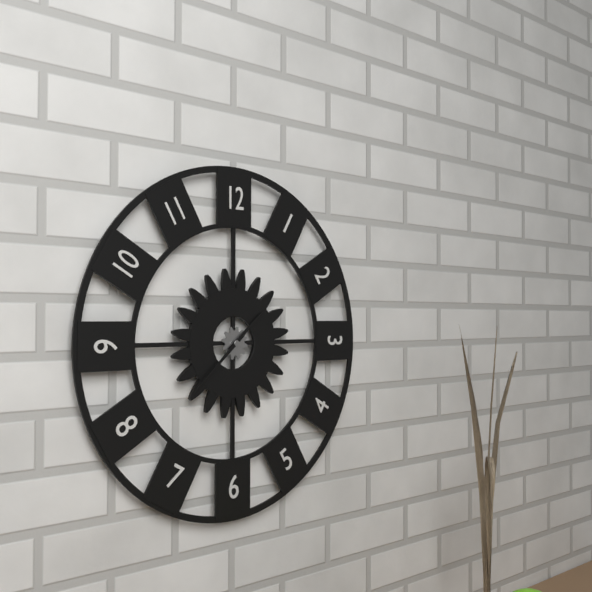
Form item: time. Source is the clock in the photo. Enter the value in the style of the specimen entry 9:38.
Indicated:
1:38
